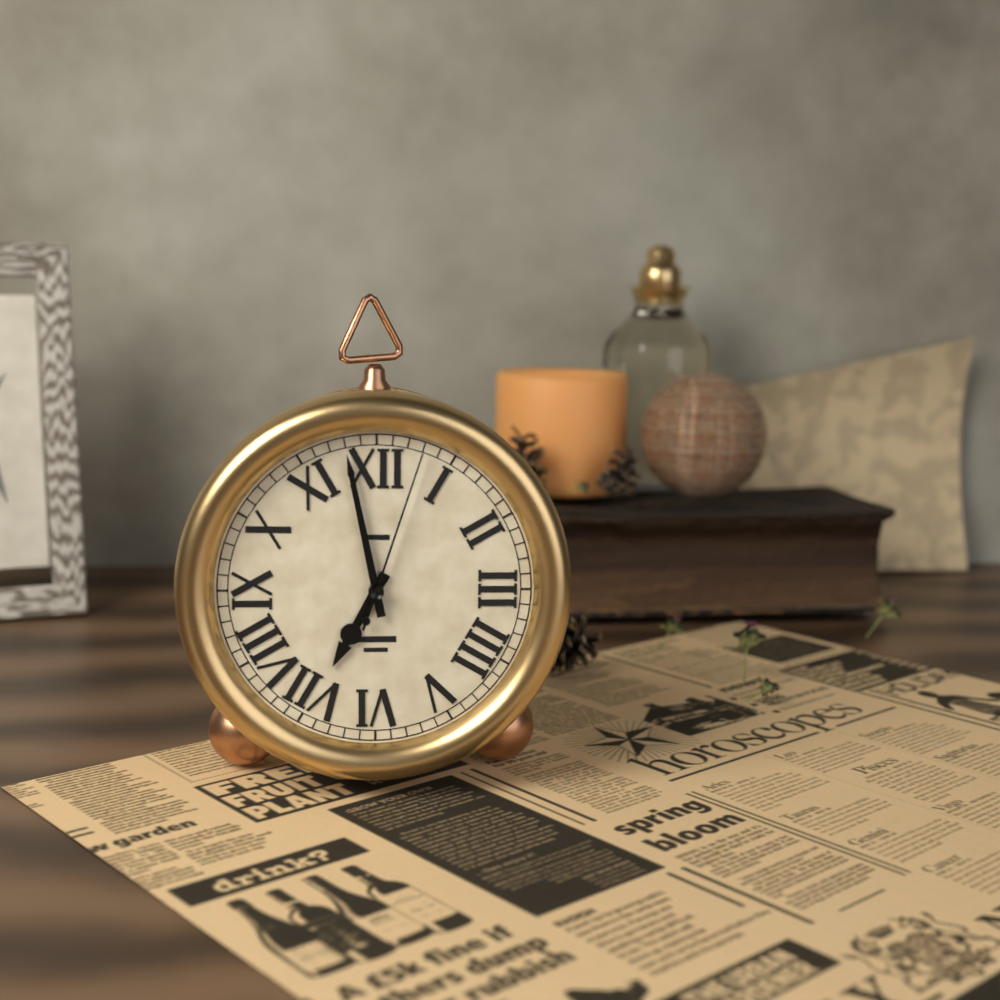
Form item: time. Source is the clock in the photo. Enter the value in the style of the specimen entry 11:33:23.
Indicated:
6:58:03
